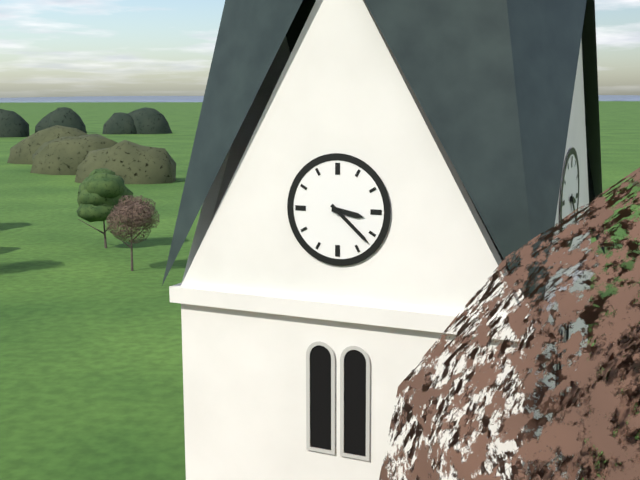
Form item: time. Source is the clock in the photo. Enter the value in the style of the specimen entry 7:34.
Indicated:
3:22
